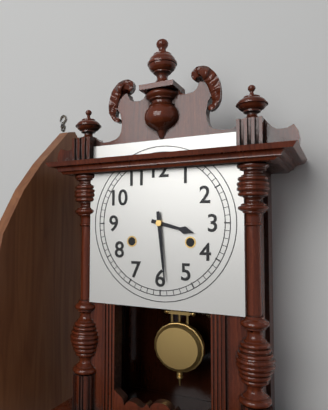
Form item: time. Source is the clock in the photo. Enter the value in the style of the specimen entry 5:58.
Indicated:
3:29
